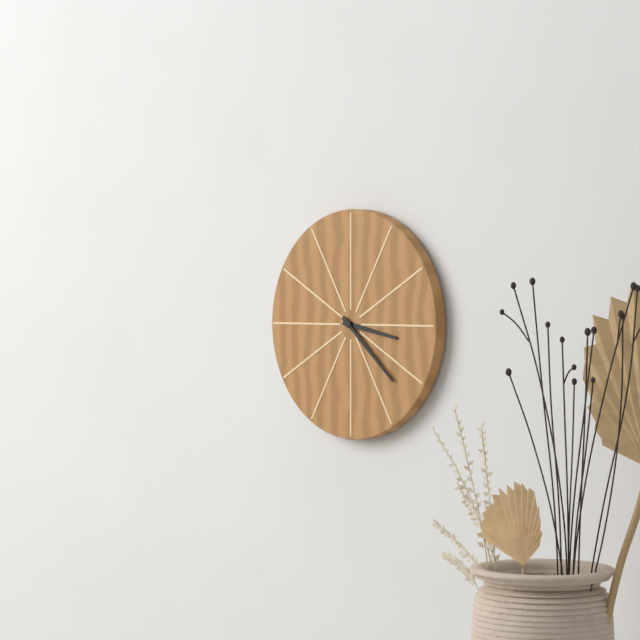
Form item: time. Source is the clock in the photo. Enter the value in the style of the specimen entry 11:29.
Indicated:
3:22
